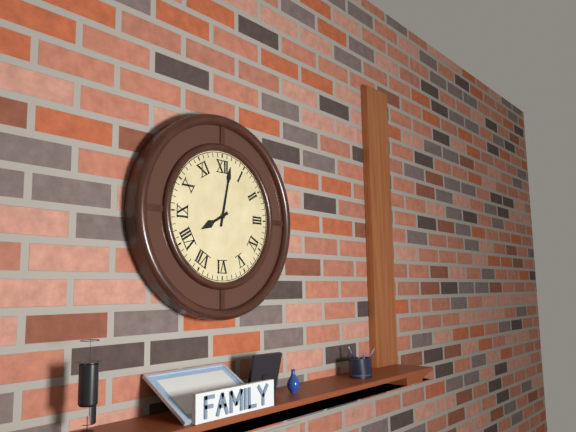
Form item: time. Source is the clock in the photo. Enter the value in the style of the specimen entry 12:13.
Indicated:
8:02
